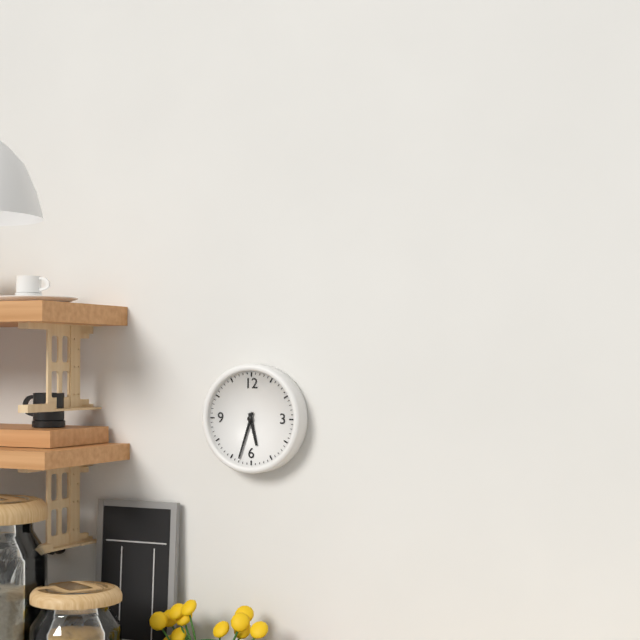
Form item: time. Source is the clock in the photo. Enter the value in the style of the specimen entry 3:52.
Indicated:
5:33
